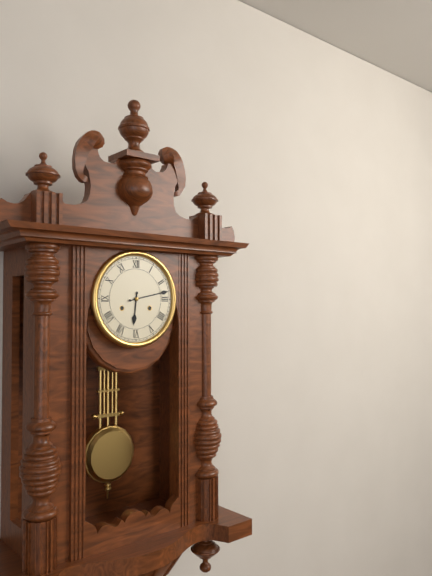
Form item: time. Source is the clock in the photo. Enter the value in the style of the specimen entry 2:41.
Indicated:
6:13
